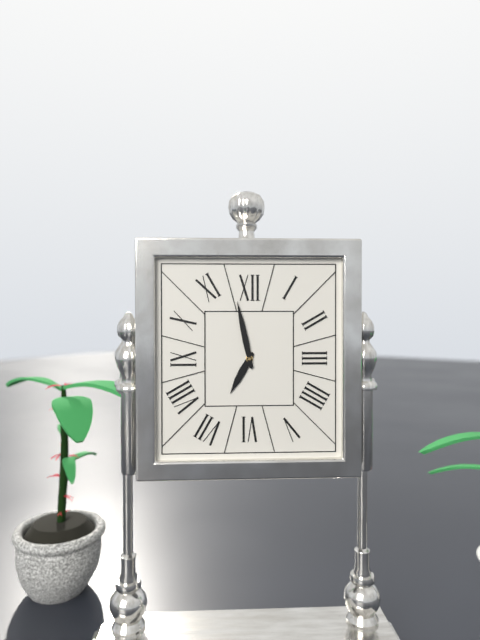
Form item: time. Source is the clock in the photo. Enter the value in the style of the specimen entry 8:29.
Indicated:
6:58
